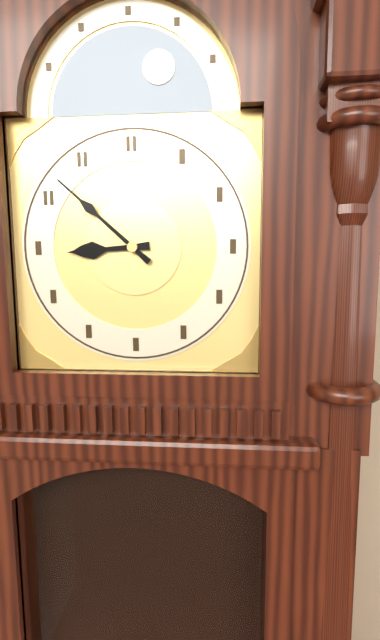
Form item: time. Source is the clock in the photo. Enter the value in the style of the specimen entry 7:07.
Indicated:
8:52
